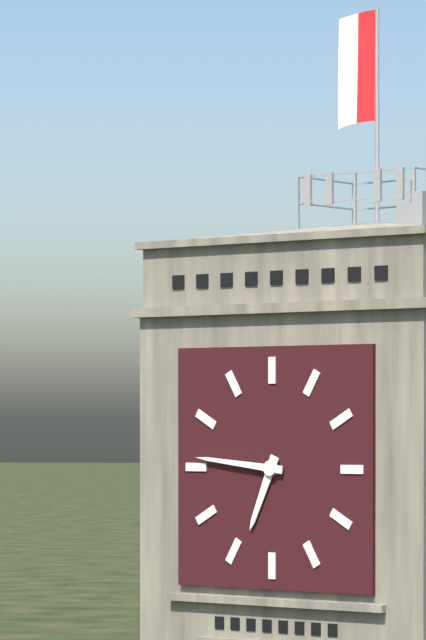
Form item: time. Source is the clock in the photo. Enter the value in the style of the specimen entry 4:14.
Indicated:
6:46
